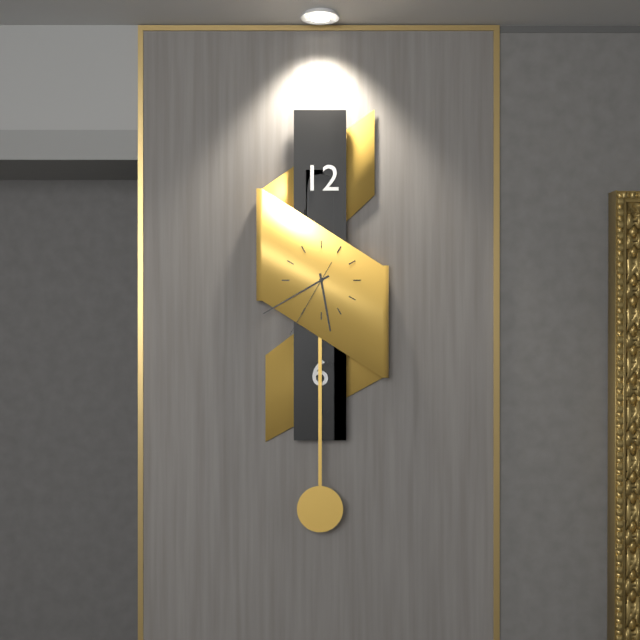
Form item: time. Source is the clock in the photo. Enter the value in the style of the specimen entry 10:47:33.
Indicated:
5:40:35
